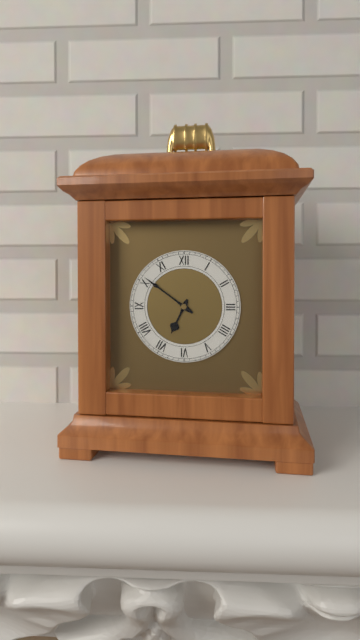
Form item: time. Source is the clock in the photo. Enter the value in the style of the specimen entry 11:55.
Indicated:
6:51
